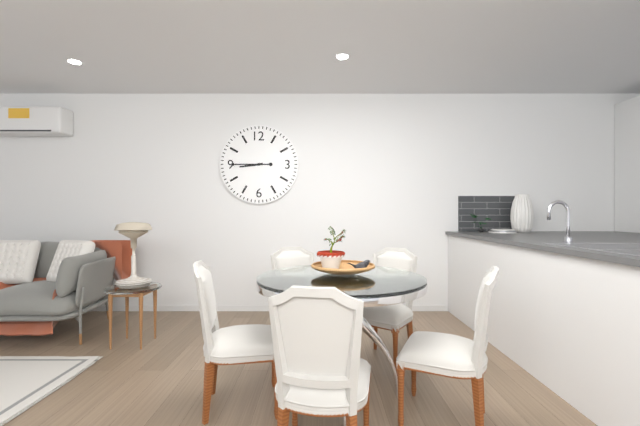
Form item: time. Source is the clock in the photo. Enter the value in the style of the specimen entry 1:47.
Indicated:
8:45
